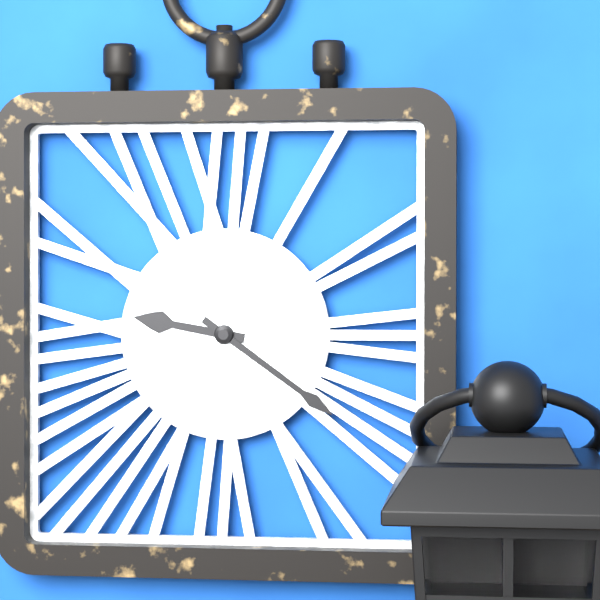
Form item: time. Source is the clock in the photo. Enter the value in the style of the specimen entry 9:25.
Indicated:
9:21
